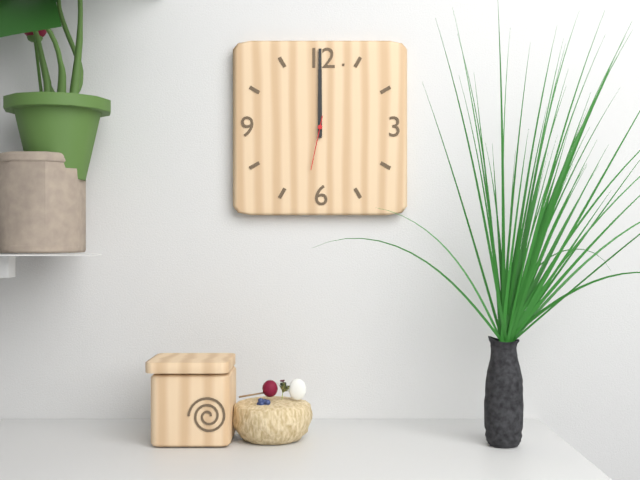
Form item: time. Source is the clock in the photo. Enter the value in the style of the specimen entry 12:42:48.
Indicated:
12:00:32
